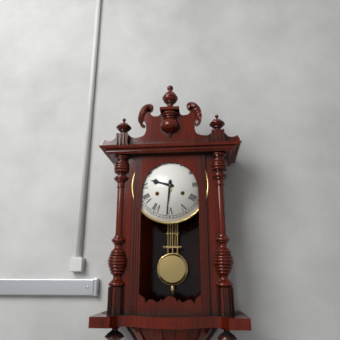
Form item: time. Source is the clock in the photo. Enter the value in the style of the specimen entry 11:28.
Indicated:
9:31
